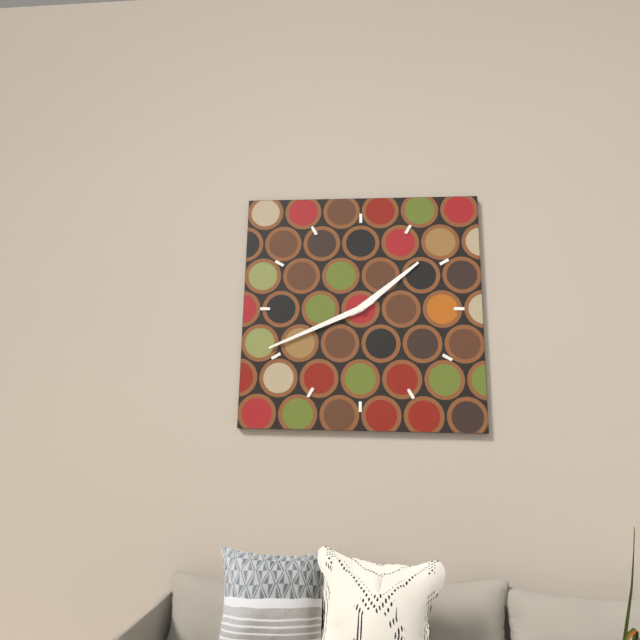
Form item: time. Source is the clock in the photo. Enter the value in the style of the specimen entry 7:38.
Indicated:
1:41
